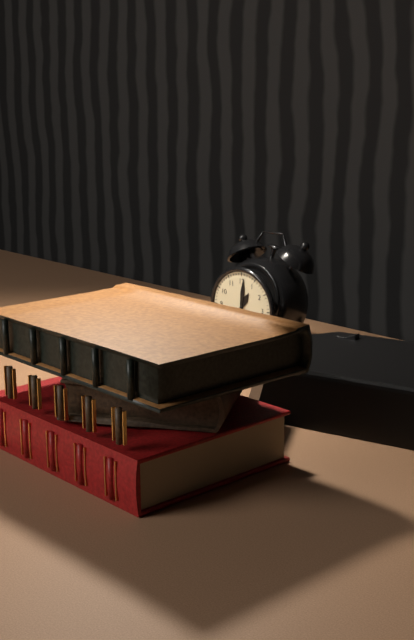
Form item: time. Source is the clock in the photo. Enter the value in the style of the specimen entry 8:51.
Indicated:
1:01
